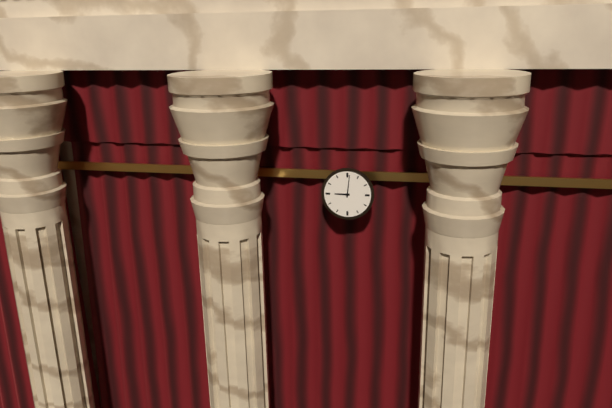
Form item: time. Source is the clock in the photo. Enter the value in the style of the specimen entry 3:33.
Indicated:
9:01
